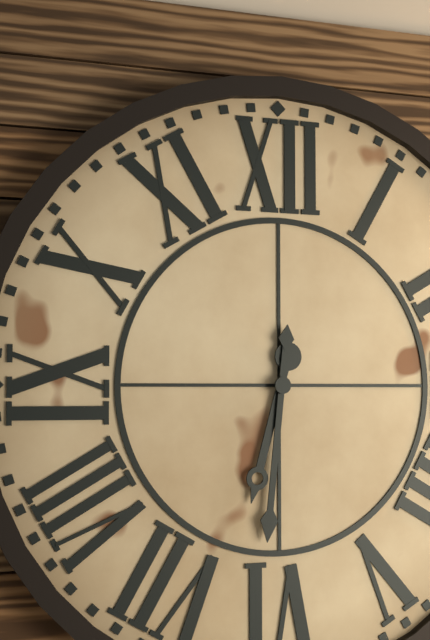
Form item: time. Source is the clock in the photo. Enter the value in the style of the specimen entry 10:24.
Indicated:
6:31
